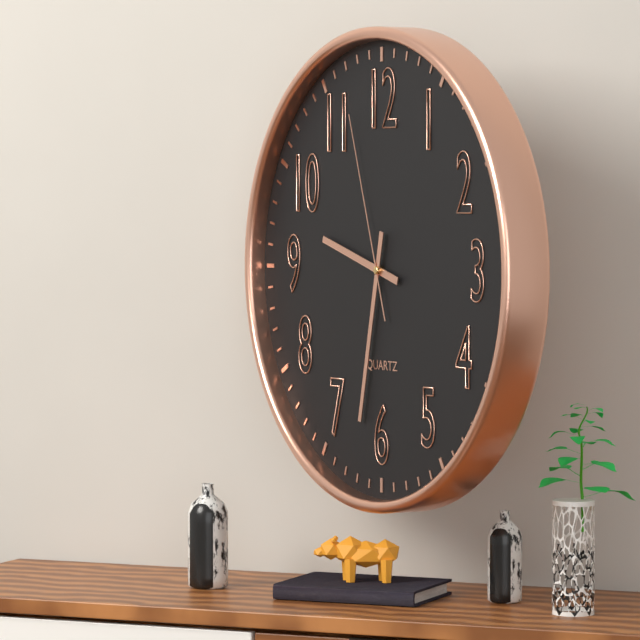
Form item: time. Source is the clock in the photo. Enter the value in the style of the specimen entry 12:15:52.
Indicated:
9:32:57
